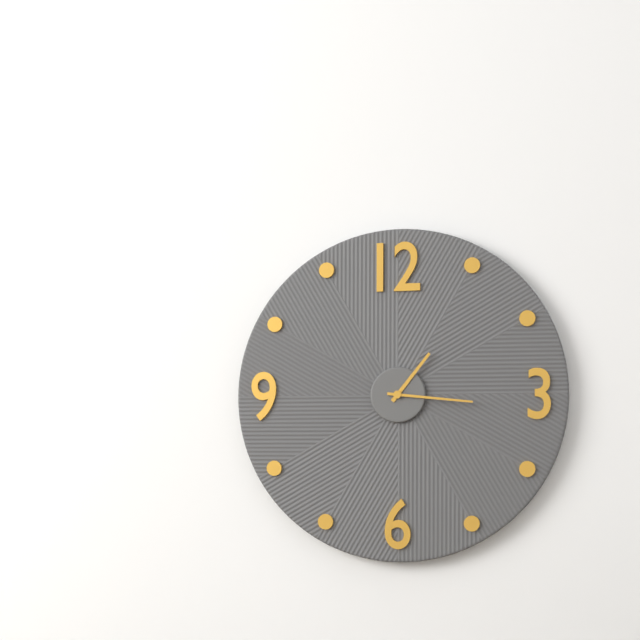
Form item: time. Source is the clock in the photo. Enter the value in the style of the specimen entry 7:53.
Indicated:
1:16
